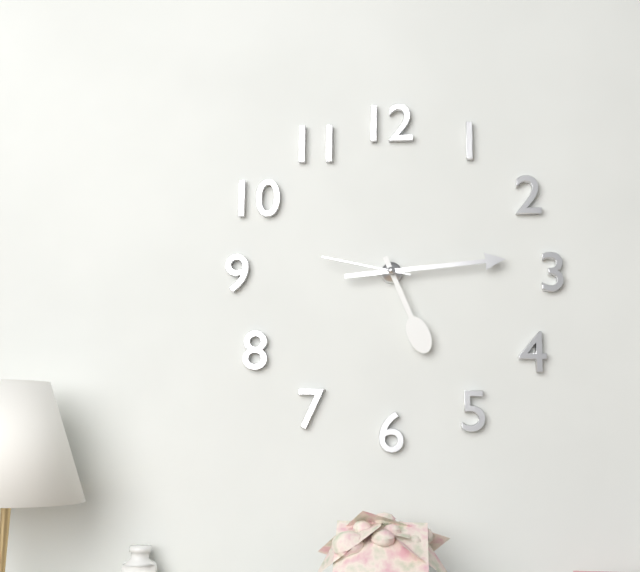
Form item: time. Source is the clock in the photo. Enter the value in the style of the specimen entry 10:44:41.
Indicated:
5:14:47
